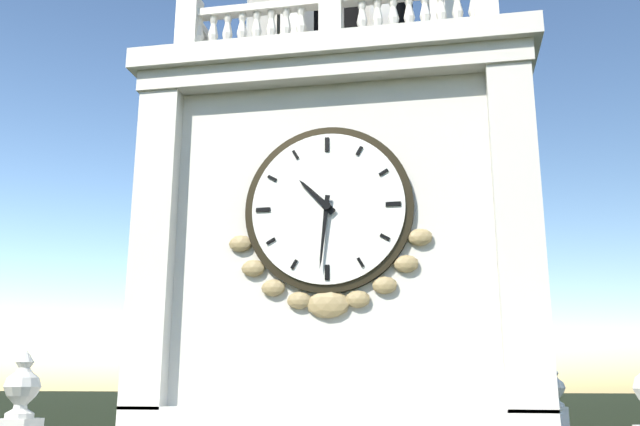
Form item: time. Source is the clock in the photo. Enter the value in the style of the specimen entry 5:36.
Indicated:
10:31
